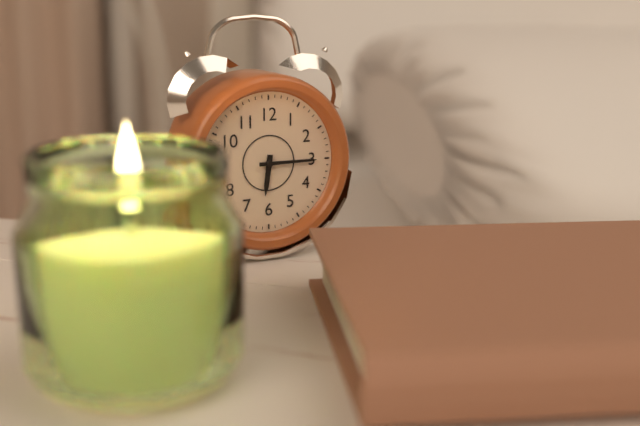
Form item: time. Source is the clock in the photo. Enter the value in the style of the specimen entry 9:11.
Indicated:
6:15
